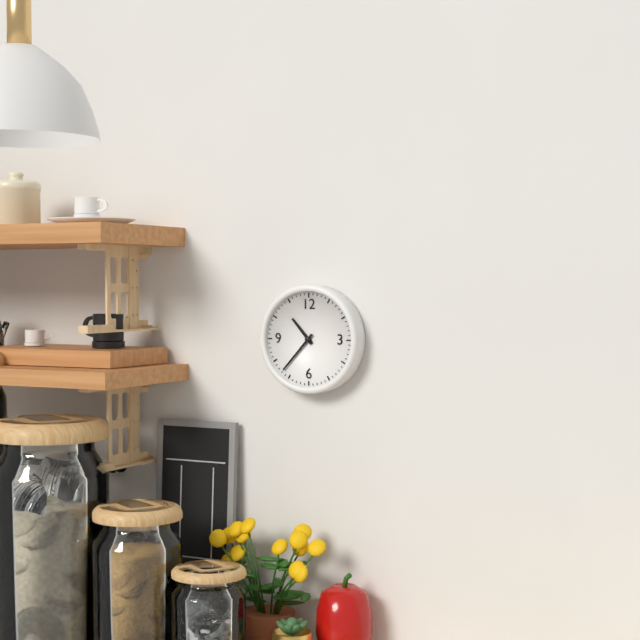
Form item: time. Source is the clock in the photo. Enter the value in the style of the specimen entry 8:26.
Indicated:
10:37
